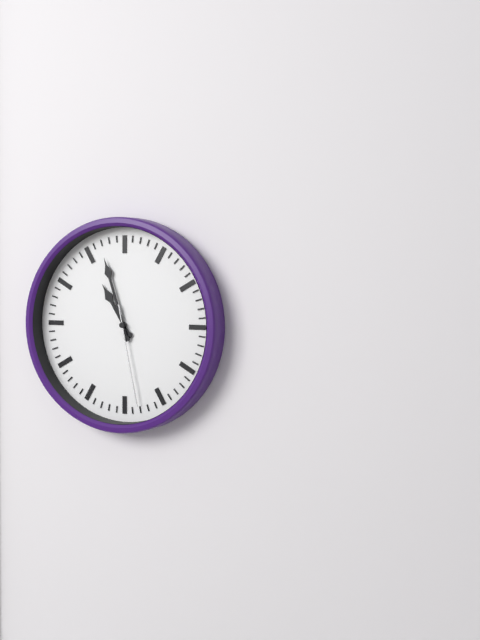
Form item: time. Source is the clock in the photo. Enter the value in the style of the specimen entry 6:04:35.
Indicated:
10:57:28
